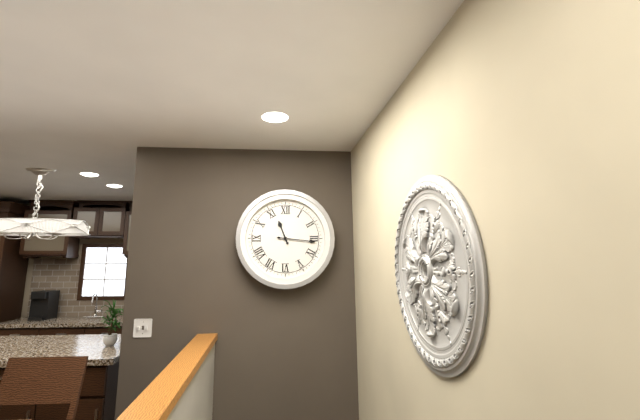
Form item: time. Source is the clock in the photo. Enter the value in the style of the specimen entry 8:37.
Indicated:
11:16
